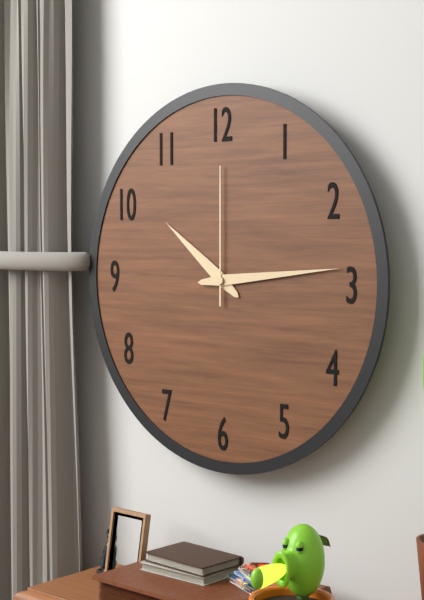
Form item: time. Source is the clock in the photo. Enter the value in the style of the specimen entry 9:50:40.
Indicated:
10:14:00
